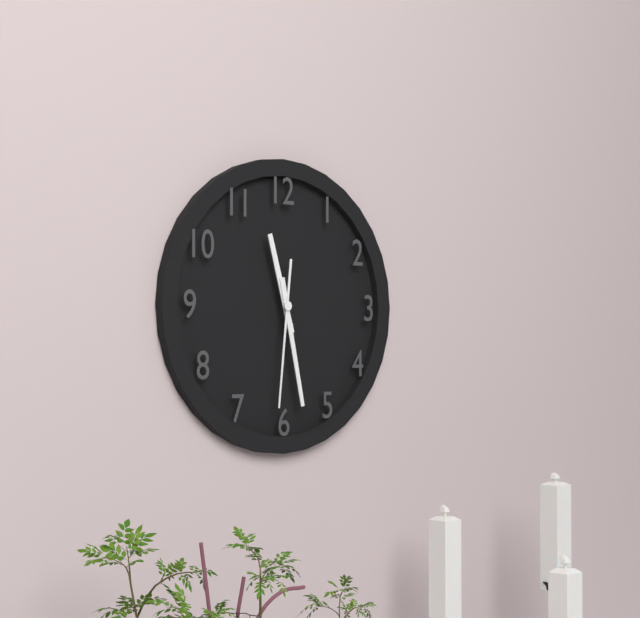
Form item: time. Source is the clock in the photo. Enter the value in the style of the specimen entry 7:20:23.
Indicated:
11:28:31
